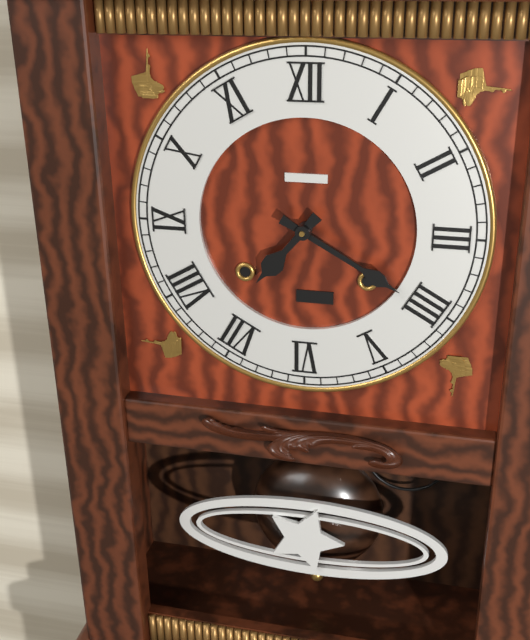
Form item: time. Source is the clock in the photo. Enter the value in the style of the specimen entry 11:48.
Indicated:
7:20
